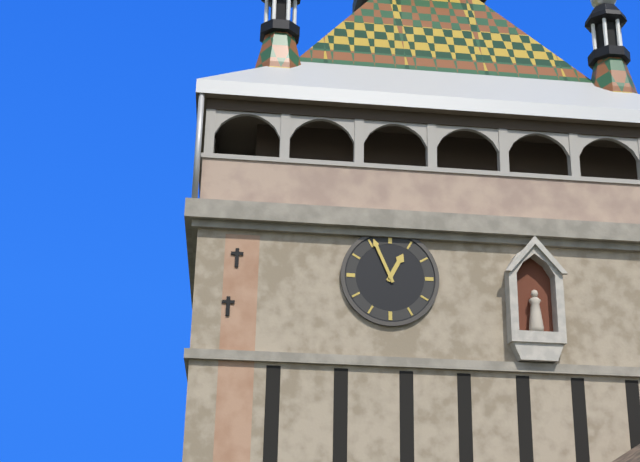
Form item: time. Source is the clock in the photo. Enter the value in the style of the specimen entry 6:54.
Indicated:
12:56
